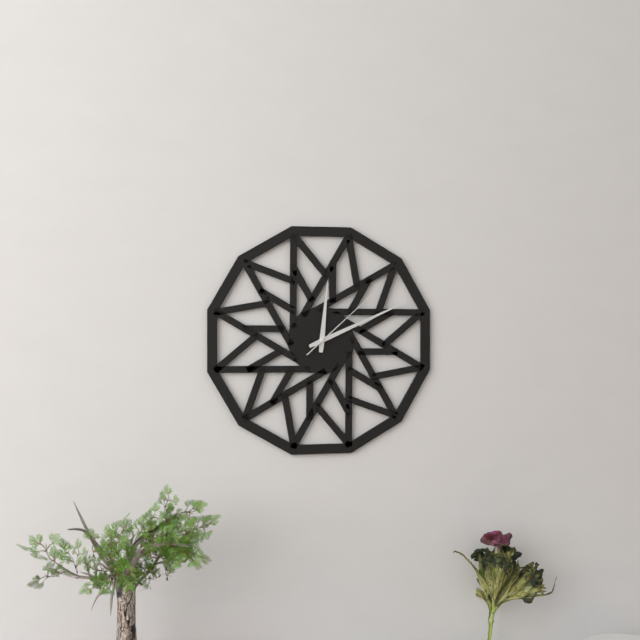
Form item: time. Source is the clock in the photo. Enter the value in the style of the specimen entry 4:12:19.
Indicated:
12:11:08
